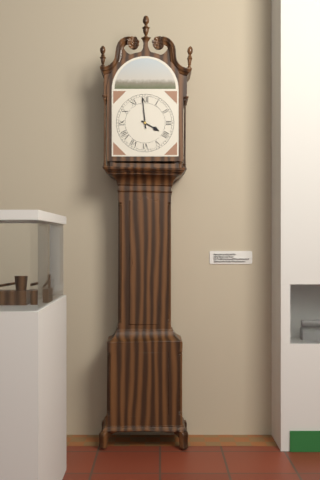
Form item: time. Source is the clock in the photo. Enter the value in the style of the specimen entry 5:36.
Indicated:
3:59
